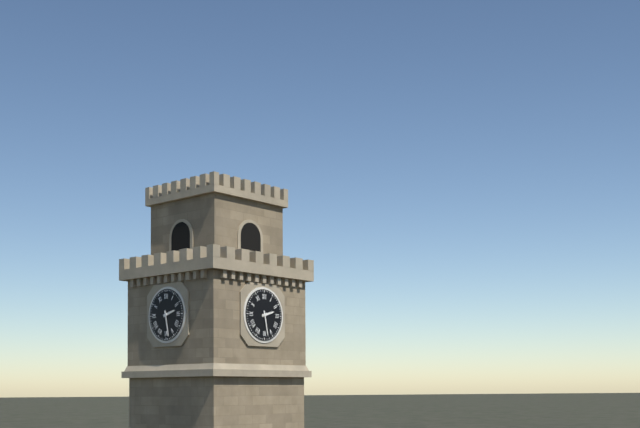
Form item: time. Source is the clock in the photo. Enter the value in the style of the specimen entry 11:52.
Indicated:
2:28
